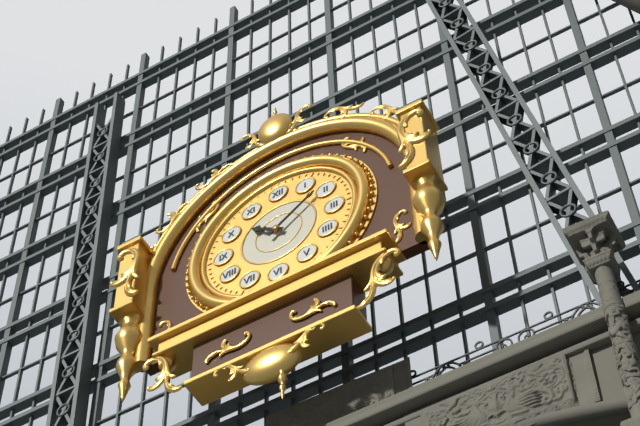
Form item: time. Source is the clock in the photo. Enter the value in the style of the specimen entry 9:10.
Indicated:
10:09
